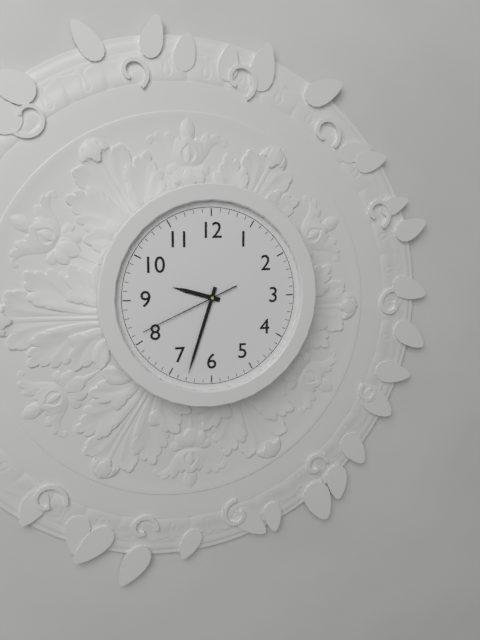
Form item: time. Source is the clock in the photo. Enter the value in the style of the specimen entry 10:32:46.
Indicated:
9:33:41
